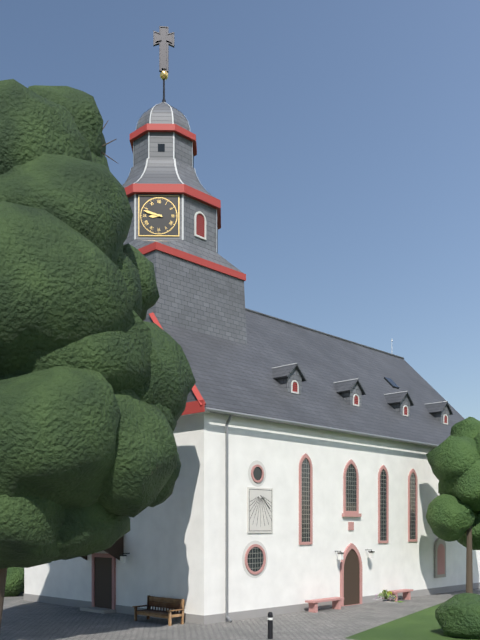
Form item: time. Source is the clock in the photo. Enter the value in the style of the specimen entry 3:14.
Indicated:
8:48
